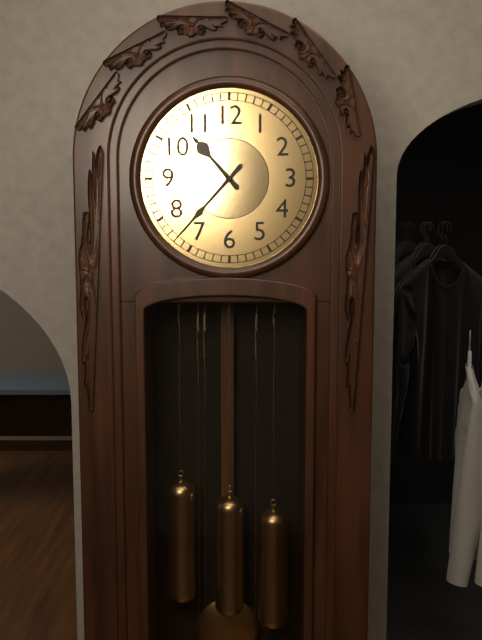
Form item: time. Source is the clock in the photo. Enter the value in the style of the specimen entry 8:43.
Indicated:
10:37
